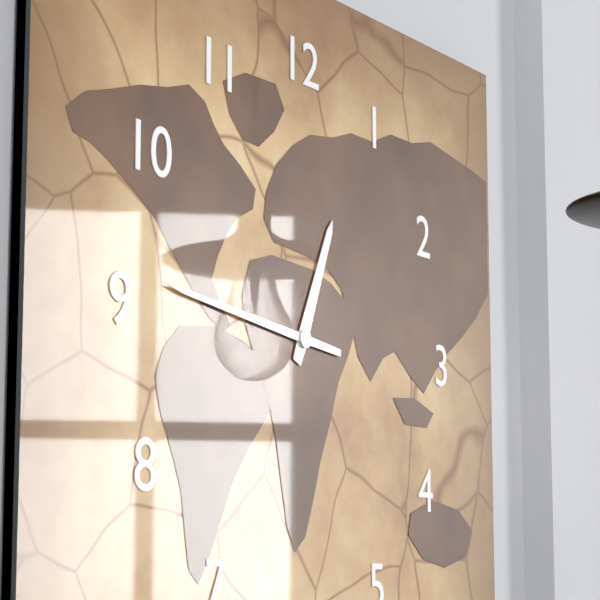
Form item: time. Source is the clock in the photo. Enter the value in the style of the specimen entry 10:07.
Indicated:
12:46
